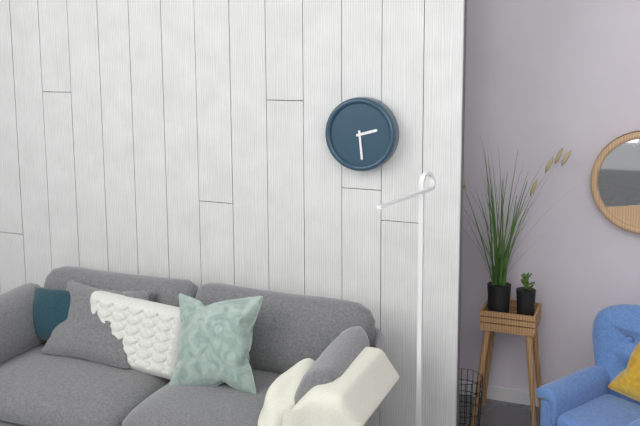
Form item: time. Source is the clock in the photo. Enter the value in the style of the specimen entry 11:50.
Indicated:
2:29
